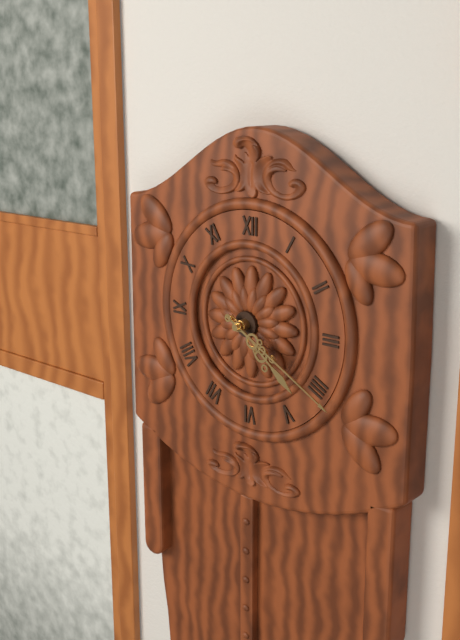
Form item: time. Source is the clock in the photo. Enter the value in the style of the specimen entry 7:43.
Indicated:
4:20
